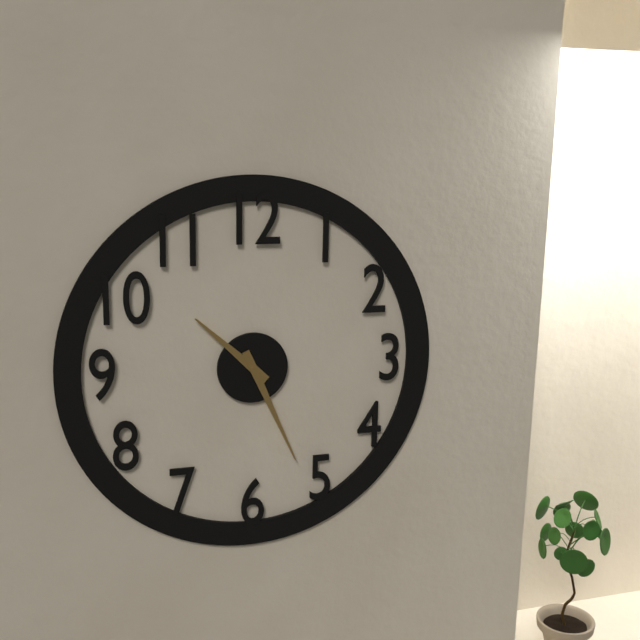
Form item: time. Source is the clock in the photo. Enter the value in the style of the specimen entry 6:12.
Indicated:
10:26
